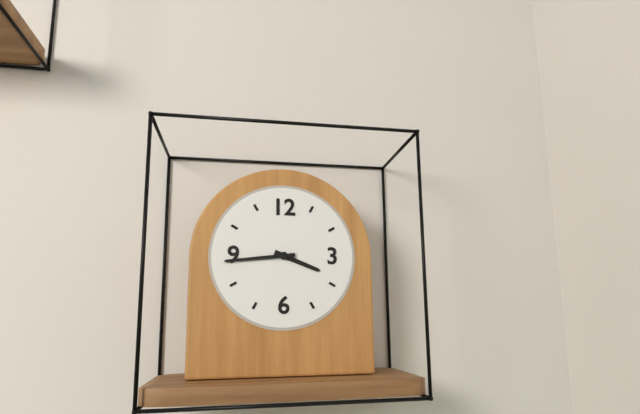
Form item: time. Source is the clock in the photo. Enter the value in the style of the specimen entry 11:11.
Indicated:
3:44
